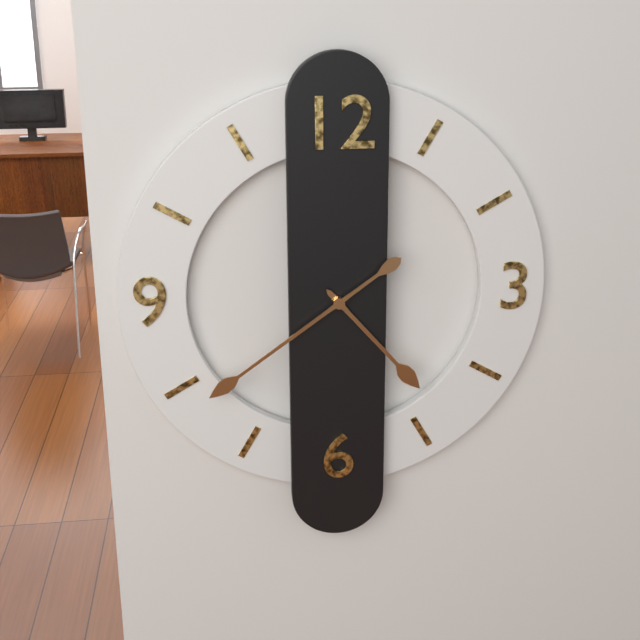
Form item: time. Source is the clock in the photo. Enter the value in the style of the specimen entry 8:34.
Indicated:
4:39
